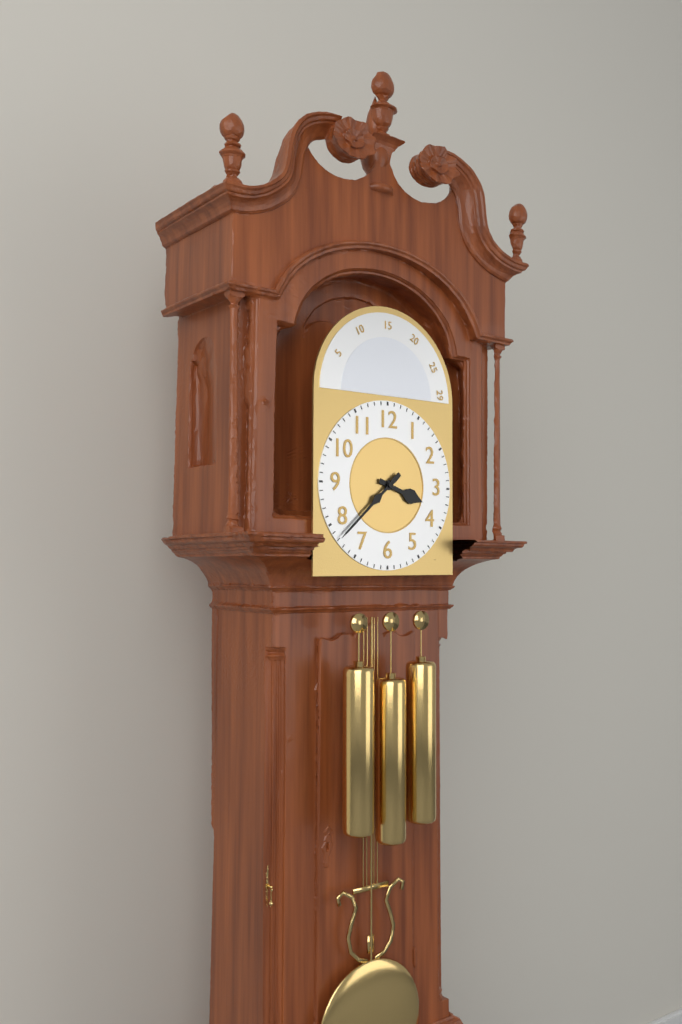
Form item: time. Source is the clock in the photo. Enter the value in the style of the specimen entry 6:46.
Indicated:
3:38
